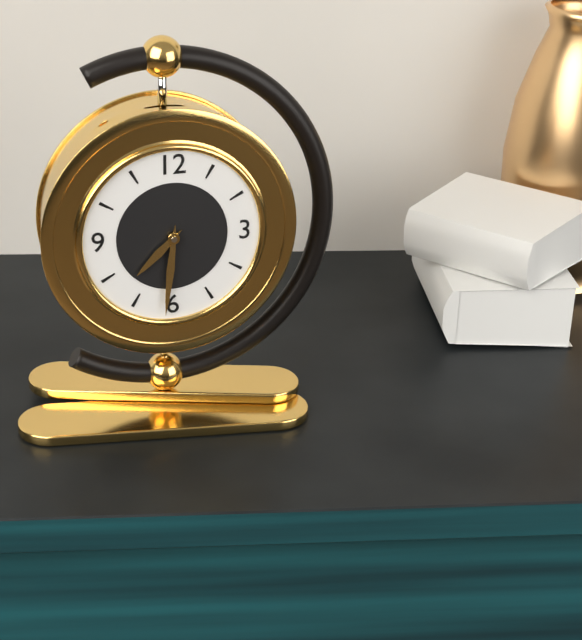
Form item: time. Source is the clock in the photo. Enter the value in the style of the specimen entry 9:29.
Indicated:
7:31
